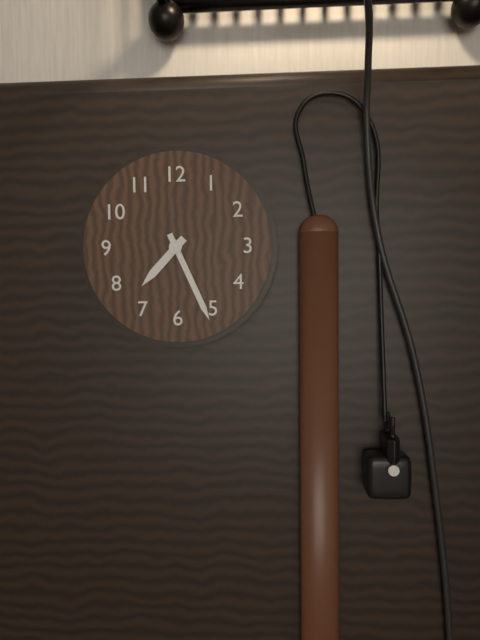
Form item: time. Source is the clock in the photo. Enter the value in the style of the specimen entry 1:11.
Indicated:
7:26
